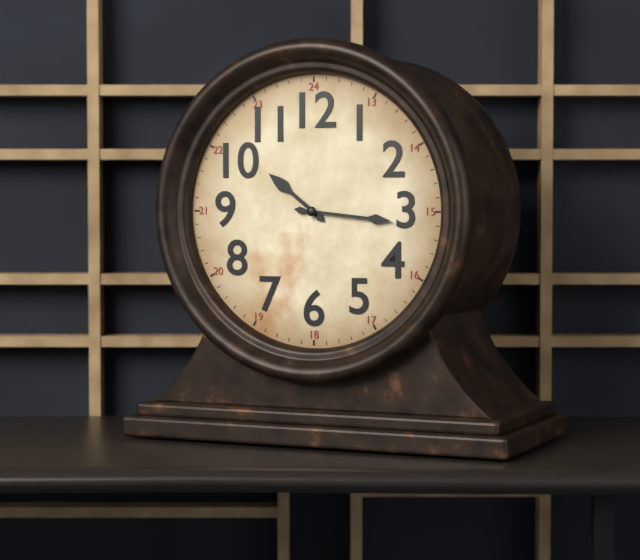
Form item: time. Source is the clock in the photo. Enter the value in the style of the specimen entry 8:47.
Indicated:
10:16
